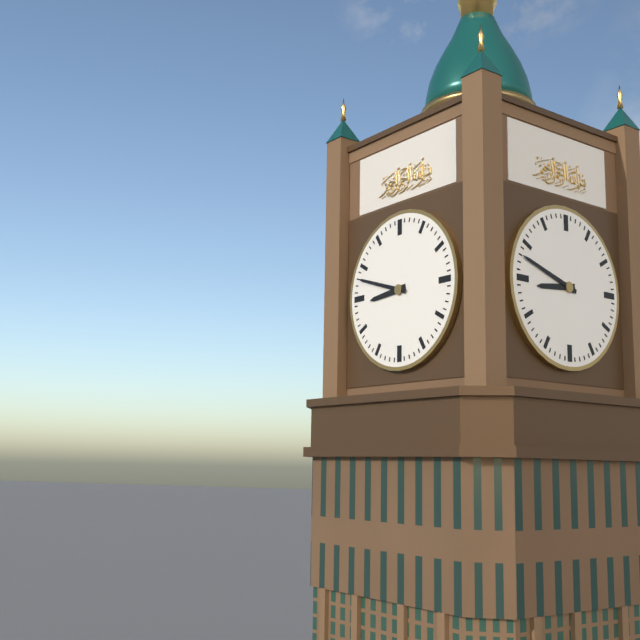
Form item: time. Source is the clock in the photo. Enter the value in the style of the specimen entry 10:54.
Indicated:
8:48
